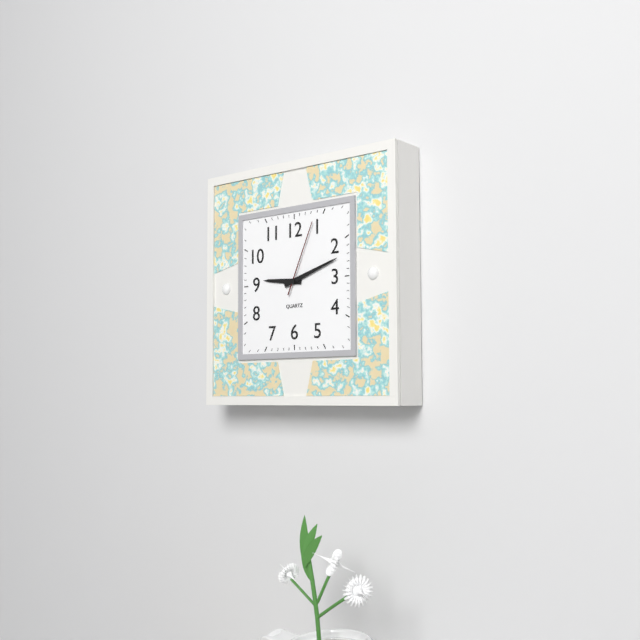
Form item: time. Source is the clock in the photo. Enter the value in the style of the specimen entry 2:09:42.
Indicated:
9:12:04
